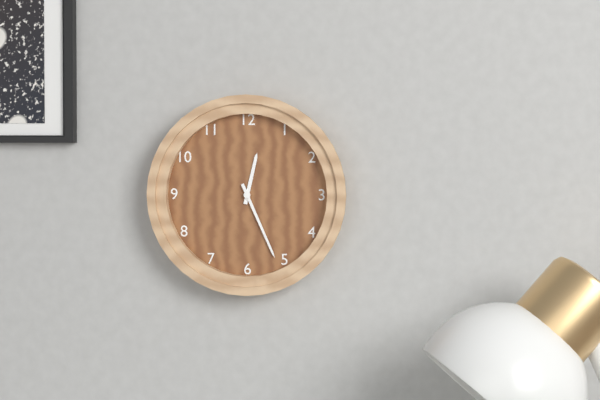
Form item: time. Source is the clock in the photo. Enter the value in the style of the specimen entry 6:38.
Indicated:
12:26
